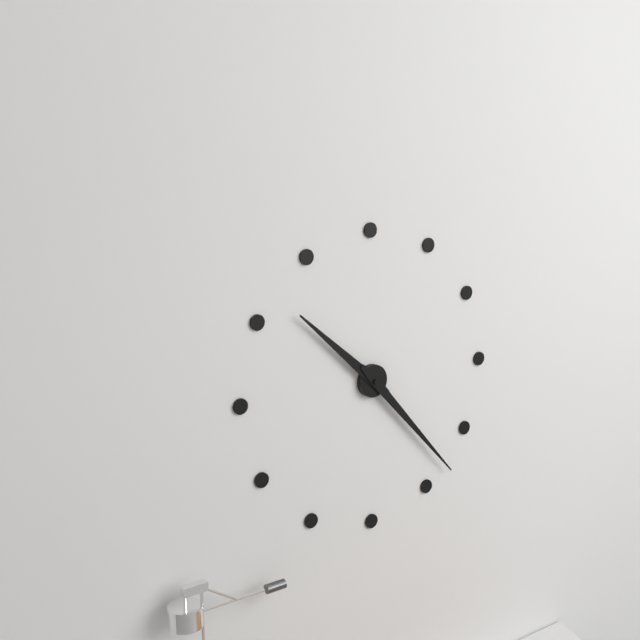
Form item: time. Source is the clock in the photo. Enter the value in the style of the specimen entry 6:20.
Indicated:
10:23
